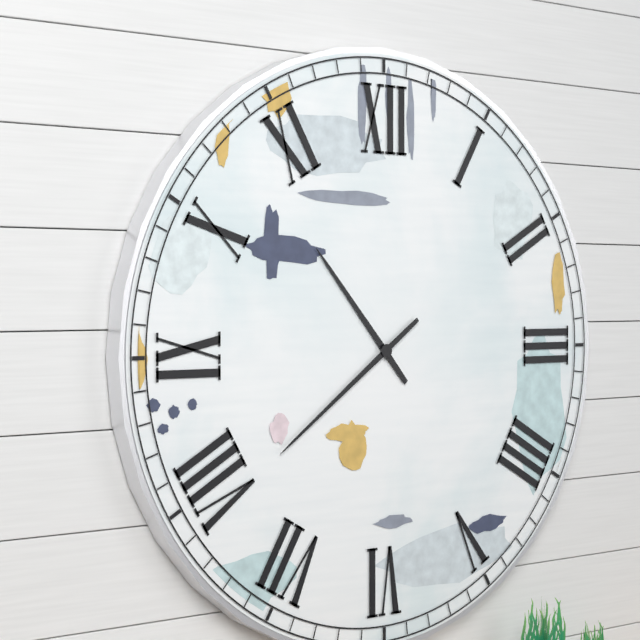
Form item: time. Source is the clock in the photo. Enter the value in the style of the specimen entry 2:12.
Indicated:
10:39
